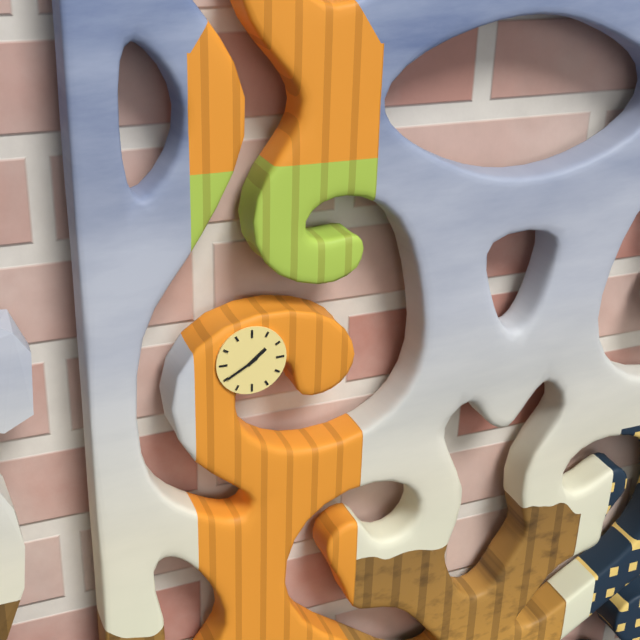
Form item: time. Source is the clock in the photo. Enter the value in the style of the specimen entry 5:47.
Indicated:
1:40
